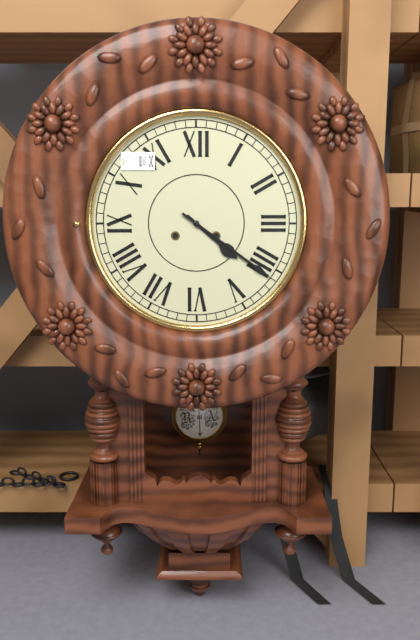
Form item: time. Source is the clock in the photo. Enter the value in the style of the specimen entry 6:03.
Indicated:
4:21
